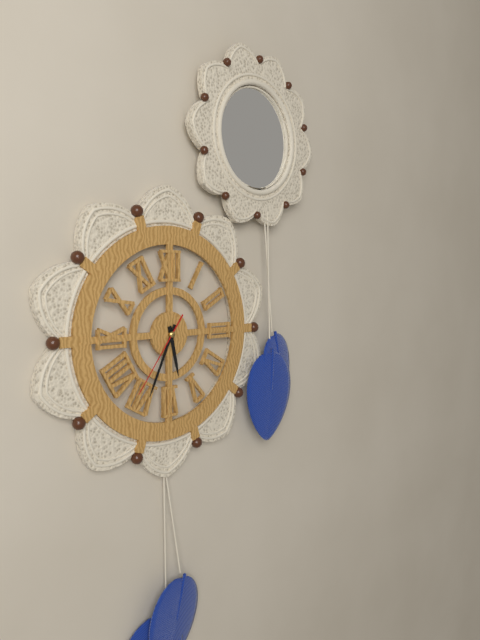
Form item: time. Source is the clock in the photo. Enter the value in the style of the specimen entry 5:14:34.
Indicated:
5:34:36
